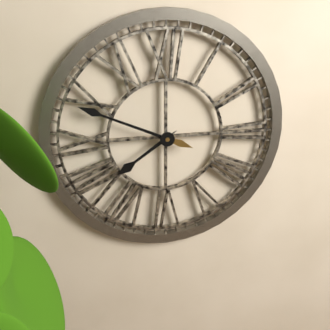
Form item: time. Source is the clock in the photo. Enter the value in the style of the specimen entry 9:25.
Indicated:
7:49
